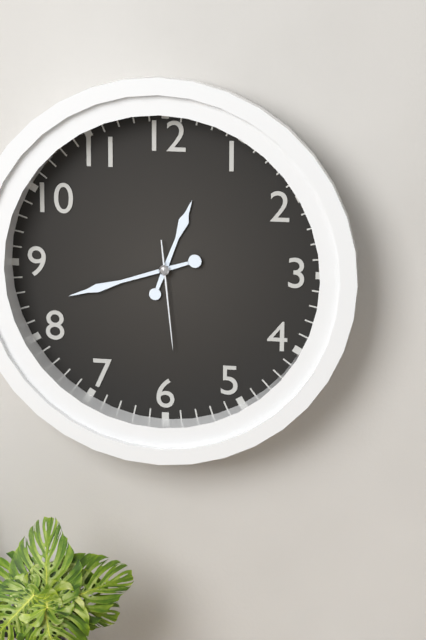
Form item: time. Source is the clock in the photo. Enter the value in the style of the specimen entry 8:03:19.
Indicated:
12:42:29
